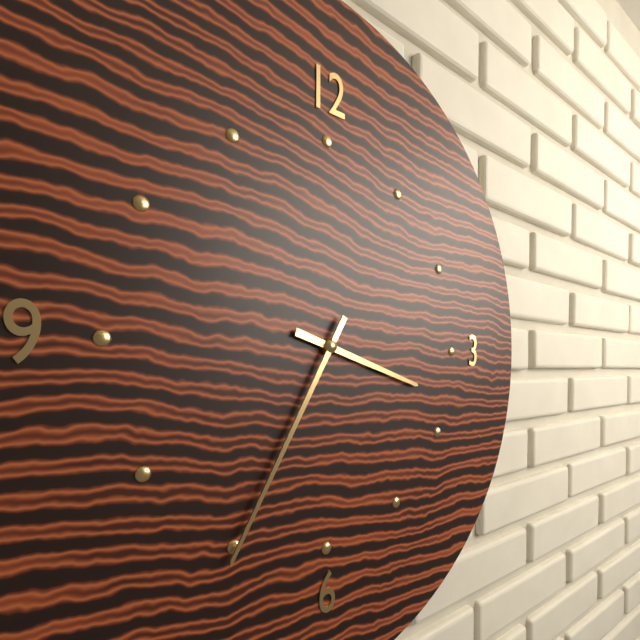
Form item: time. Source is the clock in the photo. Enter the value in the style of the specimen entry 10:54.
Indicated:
3:35
